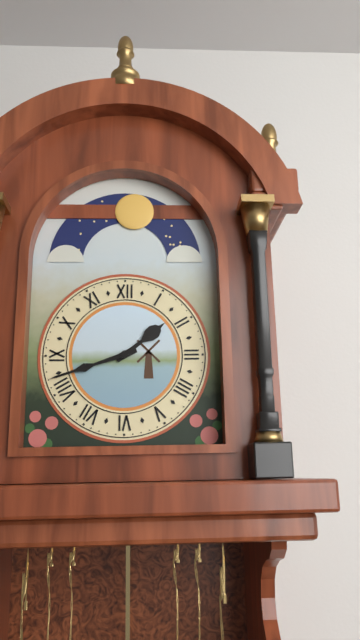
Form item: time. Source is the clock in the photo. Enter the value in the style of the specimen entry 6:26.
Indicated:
1:42
